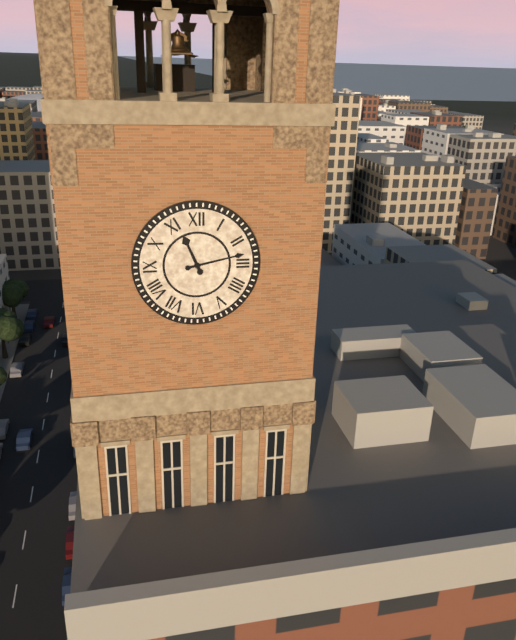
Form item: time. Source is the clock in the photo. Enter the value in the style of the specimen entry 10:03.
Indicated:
11:13
